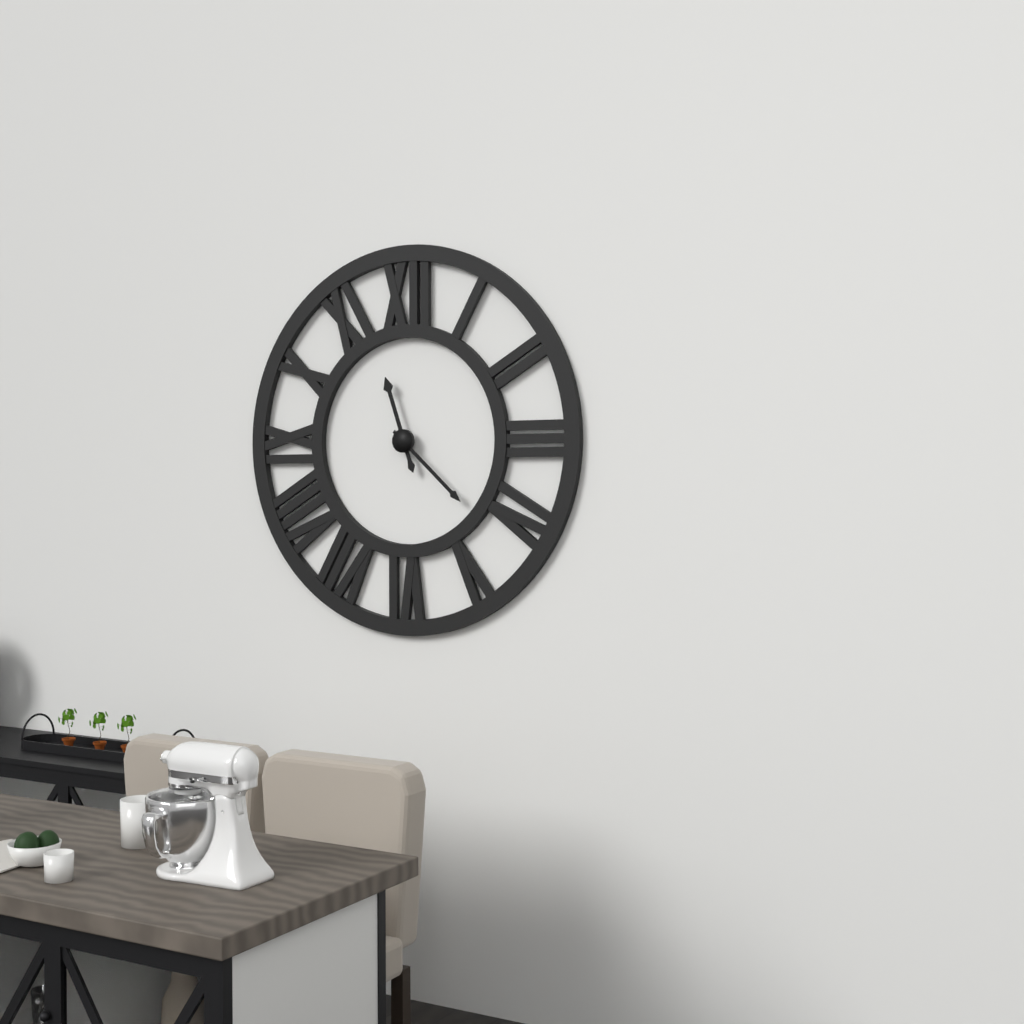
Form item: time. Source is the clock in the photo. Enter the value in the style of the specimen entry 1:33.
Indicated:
11:22
